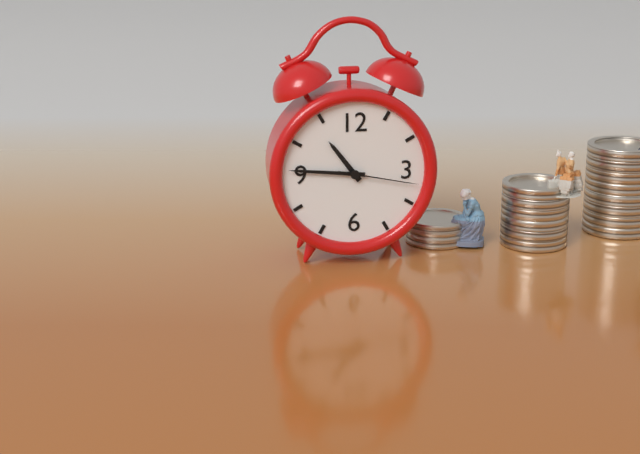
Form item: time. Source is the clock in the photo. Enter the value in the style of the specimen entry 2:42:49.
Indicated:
10:46:17
